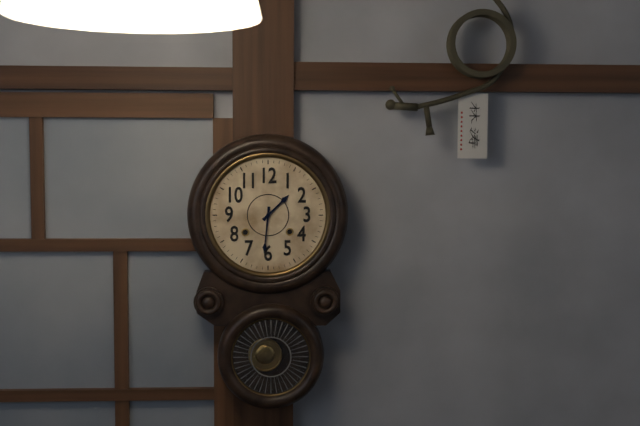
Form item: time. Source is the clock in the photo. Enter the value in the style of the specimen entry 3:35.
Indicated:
1:31
